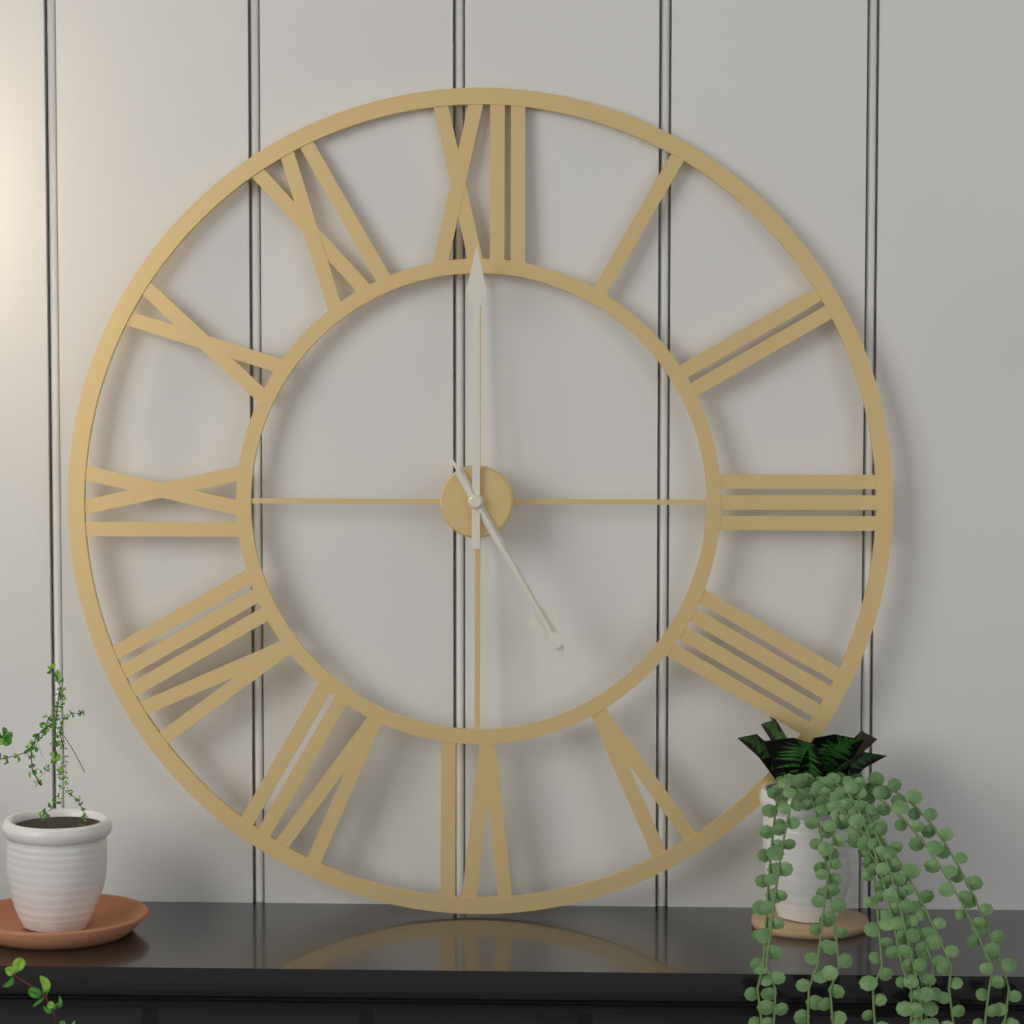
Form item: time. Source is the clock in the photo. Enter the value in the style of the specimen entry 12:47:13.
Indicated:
5:00:25
